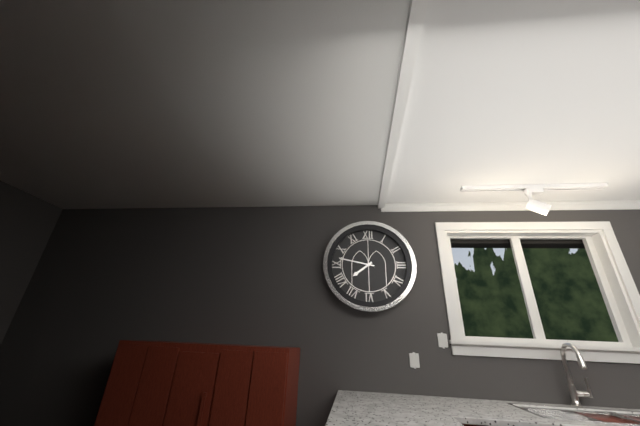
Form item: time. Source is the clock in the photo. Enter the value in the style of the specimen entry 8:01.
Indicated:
7:47
